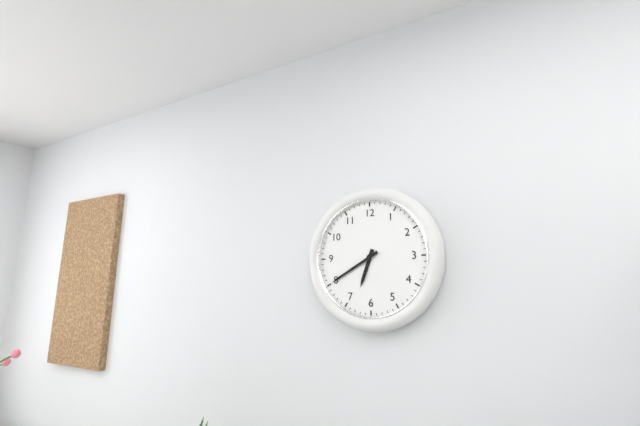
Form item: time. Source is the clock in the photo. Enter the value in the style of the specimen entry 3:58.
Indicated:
6:40
